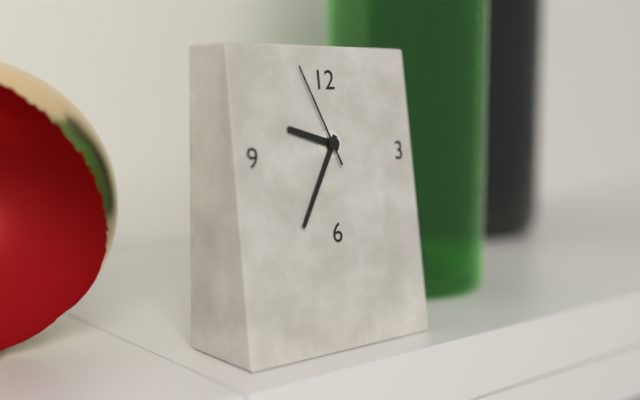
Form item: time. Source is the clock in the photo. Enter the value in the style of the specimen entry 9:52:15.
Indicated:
9:35:56
